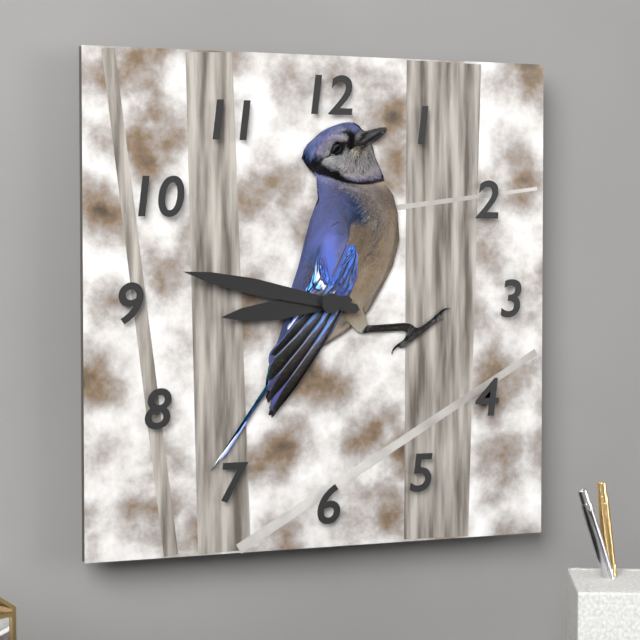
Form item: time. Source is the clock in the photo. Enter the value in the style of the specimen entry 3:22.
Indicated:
8:47
